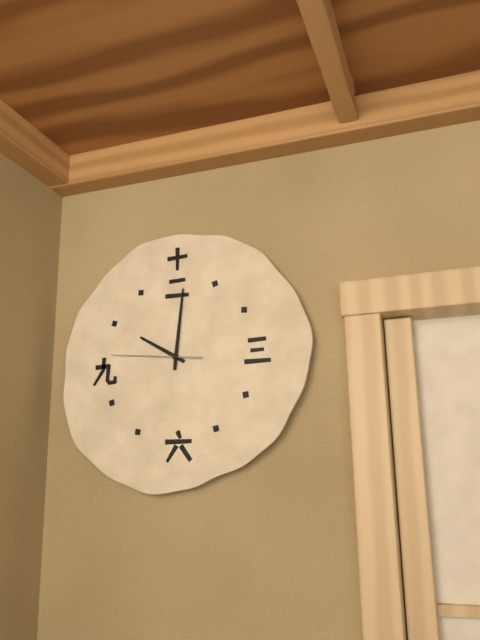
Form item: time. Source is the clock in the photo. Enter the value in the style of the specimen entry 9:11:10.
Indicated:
10:01:46
